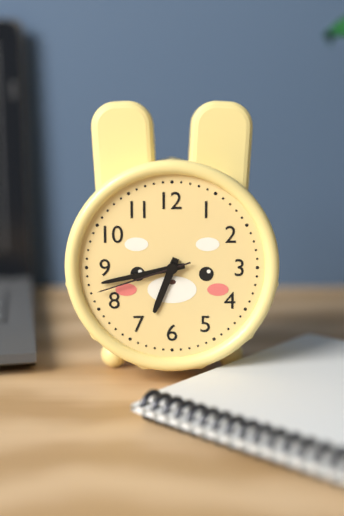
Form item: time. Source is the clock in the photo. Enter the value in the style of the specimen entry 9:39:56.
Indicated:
6:43:42
